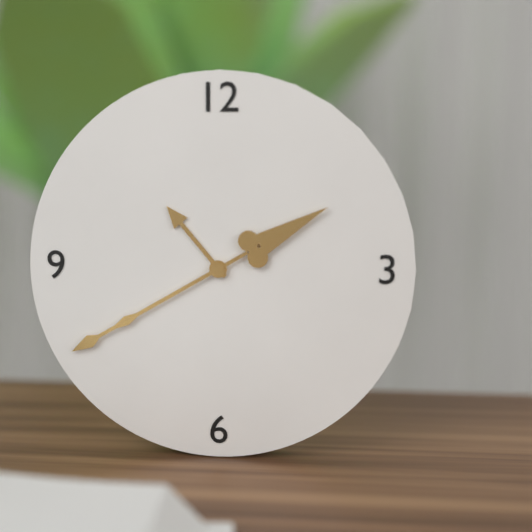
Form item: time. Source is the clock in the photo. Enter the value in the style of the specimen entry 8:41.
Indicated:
10:40
